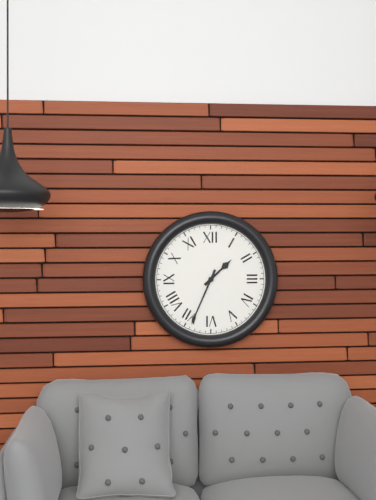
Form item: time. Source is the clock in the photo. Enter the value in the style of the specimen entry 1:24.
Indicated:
1:34
